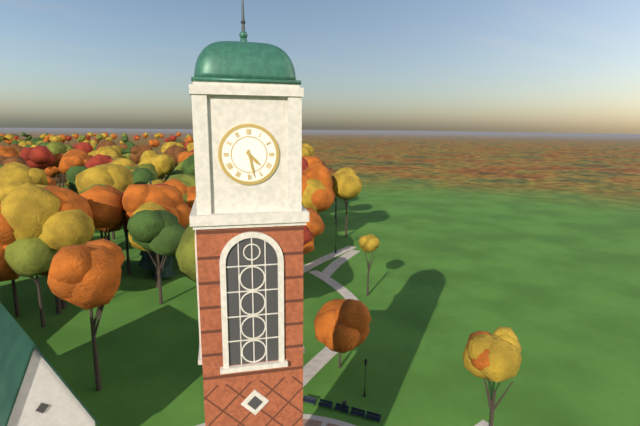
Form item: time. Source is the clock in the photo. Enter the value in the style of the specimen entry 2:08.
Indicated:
4:28
